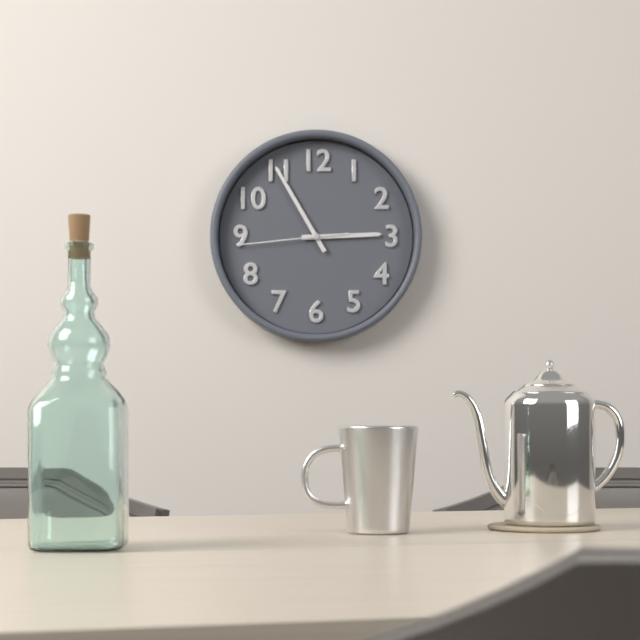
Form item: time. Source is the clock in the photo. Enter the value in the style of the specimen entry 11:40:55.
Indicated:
2:55:44
